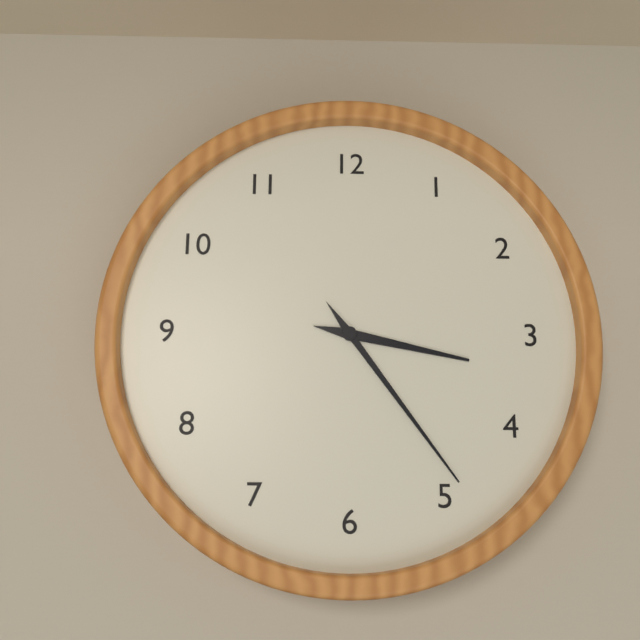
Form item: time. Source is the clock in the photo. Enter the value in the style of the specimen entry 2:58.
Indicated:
3:24
